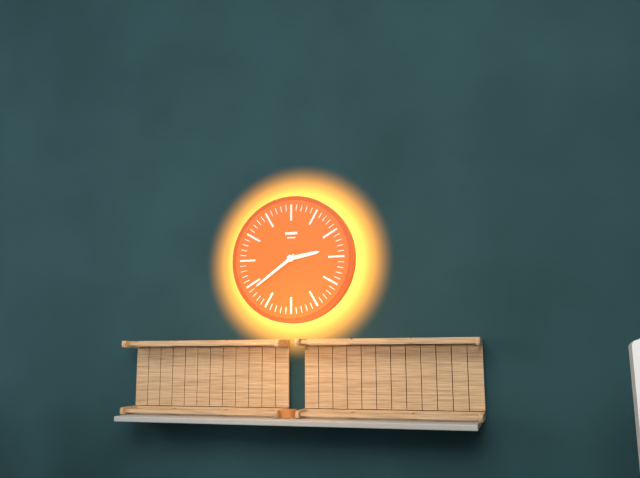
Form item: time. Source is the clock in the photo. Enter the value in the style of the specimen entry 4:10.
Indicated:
2:39
